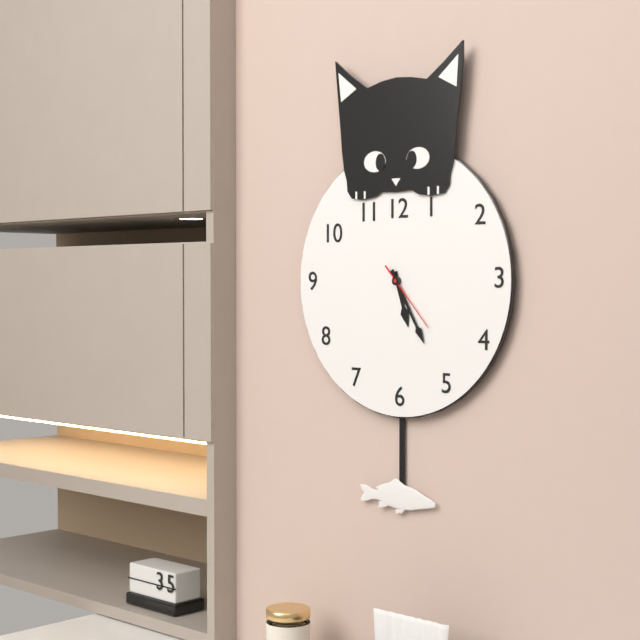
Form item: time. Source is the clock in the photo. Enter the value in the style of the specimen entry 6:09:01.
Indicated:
5:25:23
